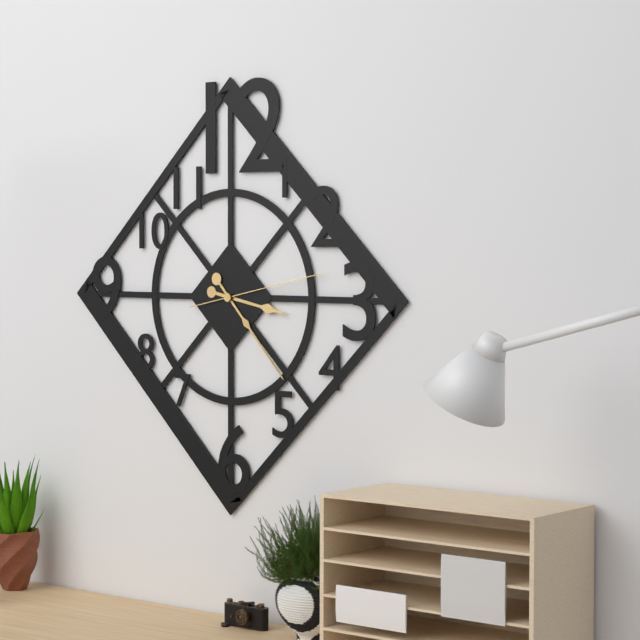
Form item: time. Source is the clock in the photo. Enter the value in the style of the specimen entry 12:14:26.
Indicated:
3:23:13
